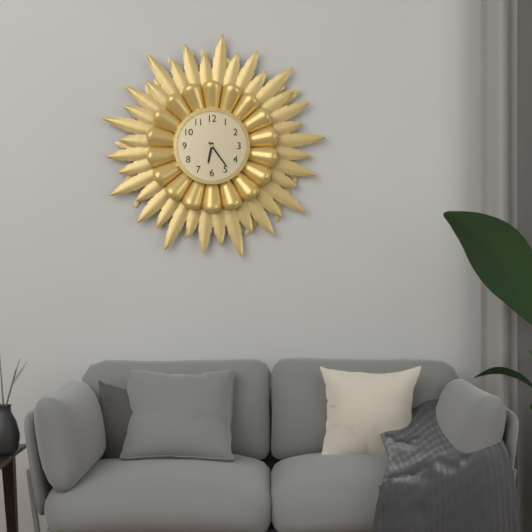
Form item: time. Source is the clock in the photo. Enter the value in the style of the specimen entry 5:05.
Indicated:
6:24
